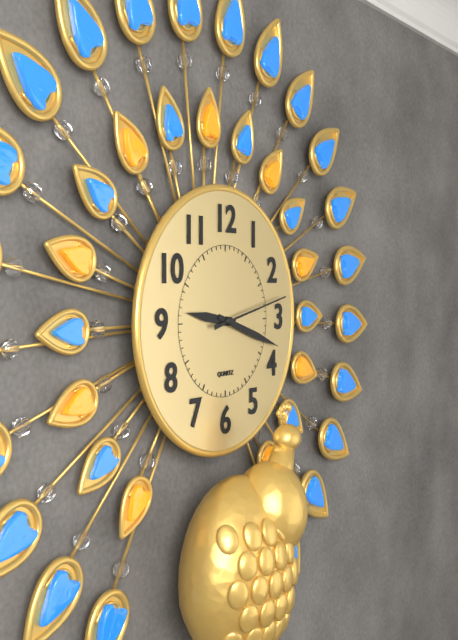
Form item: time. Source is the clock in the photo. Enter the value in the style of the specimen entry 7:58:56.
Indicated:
9:18:13
